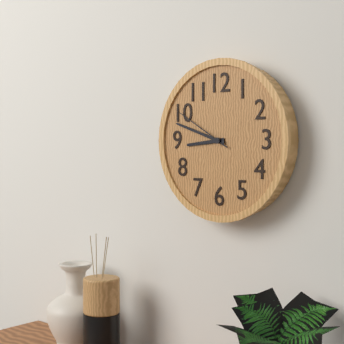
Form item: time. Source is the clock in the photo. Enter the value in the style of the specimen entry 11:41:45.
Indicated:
8:48:50
